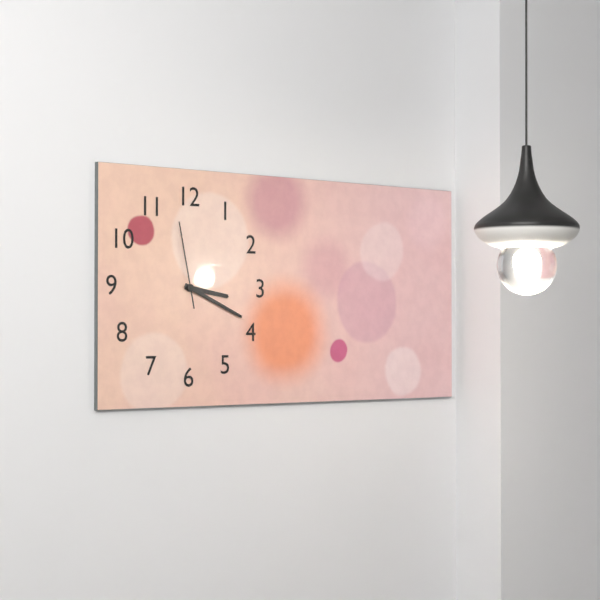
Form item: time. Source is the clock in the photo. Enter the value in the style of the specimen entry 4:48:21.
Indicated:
3:19:58
